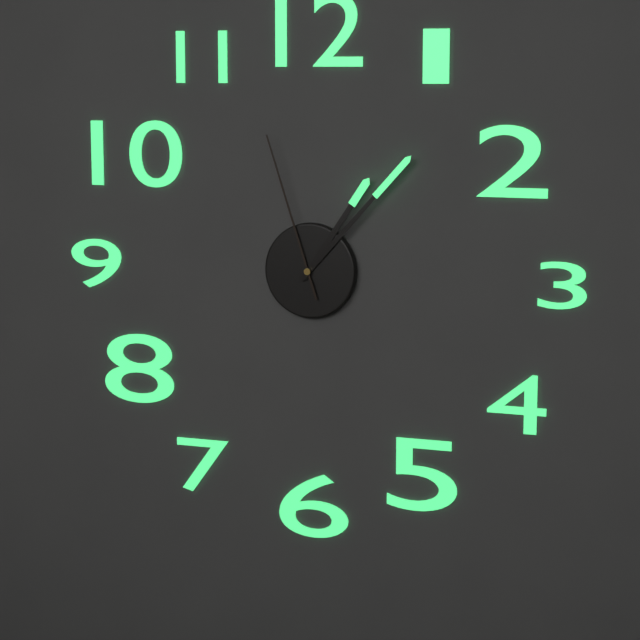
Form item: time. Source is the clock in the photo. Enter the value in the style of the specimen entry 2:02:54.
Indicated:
1:07:57
